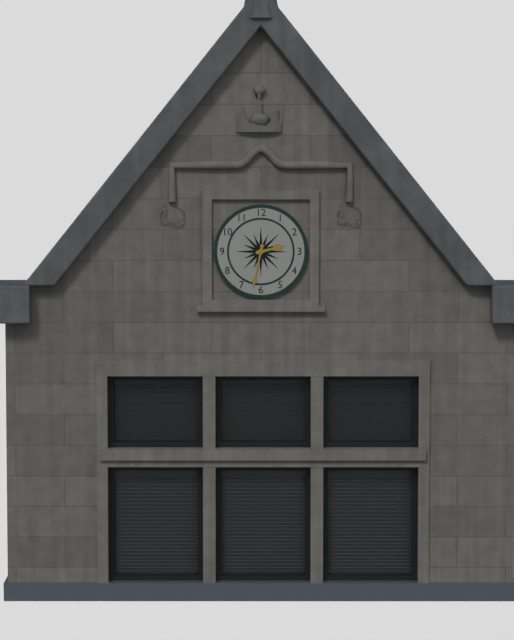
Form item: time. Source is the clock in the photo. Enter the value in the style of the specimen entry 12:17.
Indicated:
2:32
